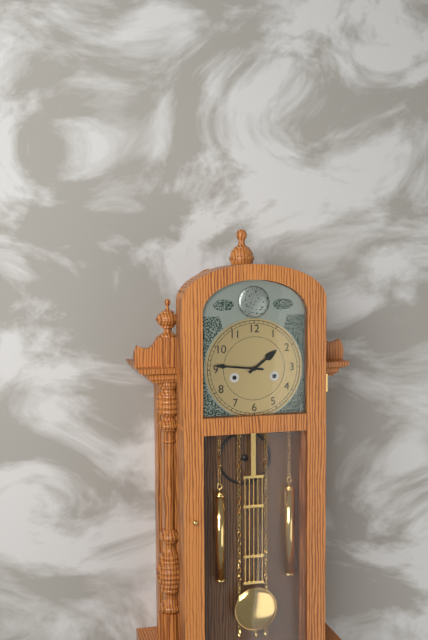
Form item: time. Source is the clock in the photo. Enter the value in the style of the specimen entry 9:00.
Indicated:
1:46
